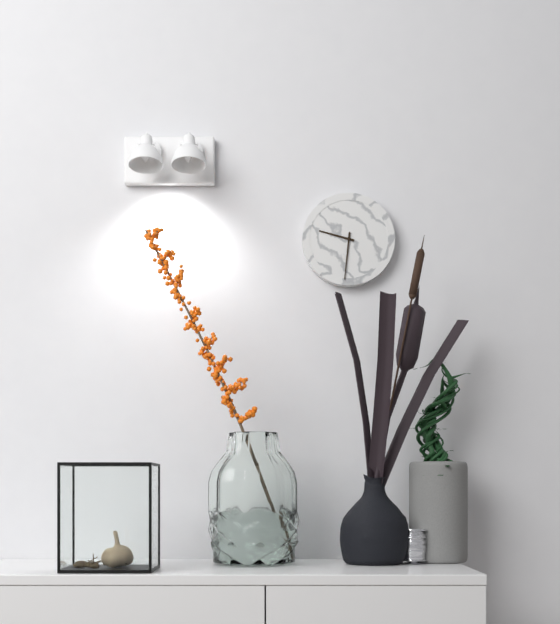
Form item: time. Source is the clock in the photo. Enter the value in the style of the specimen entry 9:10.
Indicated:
9:31
